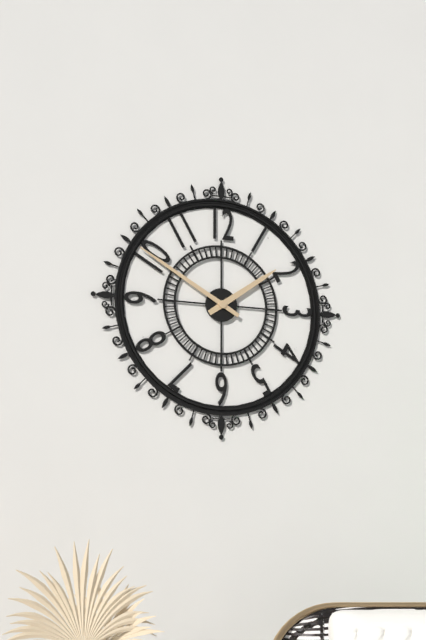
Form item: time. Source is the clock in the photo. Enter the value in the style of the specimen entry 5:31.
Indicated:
1:50
